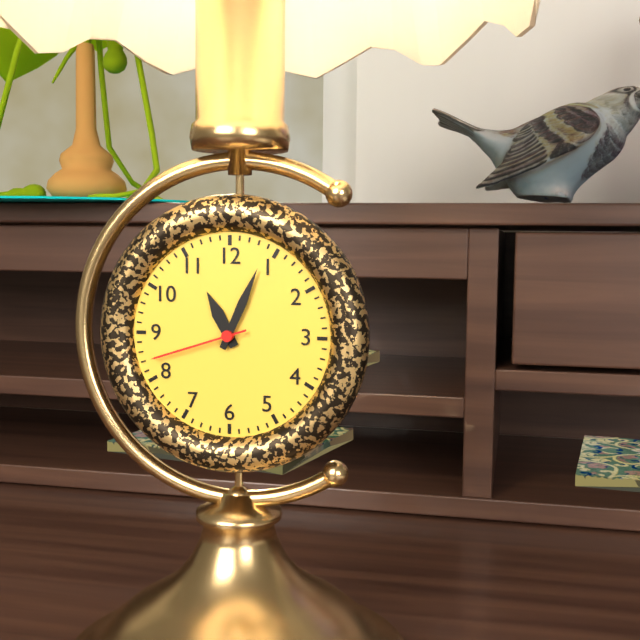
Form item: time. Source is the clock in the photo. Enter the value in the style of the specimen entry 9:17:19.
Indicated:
11:04:42
